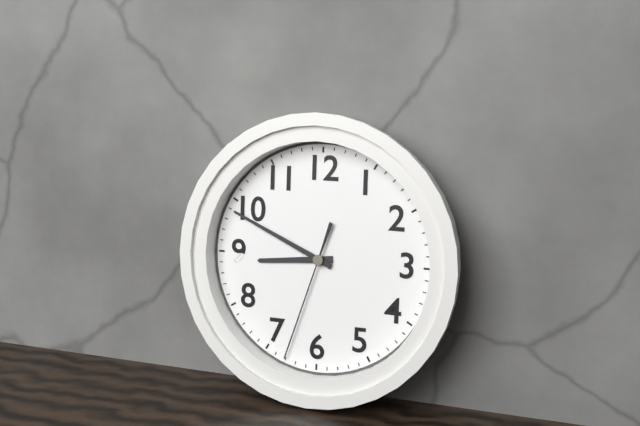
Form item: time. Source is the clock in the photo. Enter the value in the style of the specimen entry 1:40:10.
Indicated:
8:49:33
